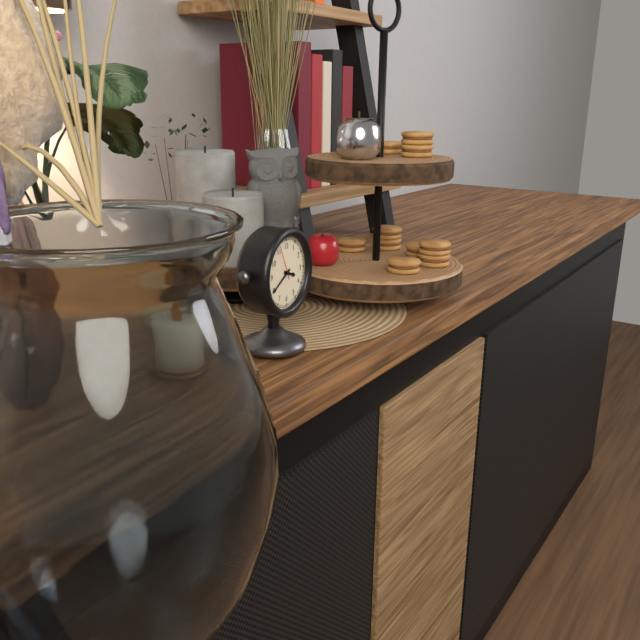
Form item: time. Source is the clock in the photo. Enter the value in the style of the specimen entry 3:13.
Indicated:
3:40
